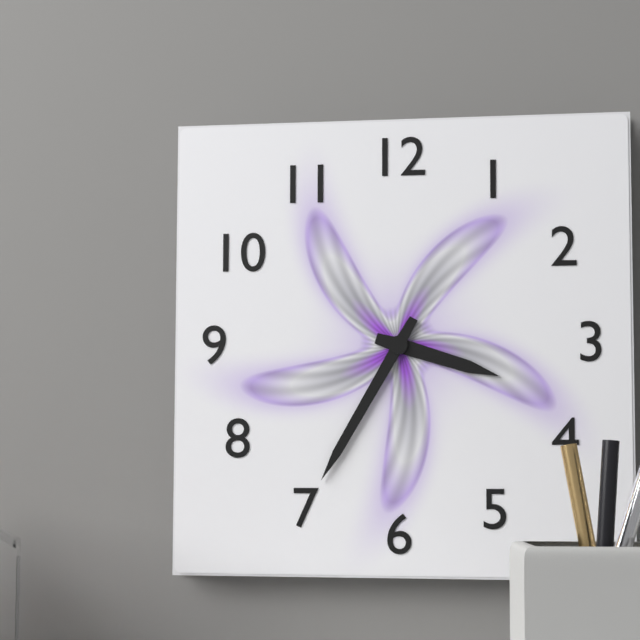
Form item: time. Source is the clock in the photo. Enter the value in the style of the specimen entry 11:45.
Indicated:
3:35
